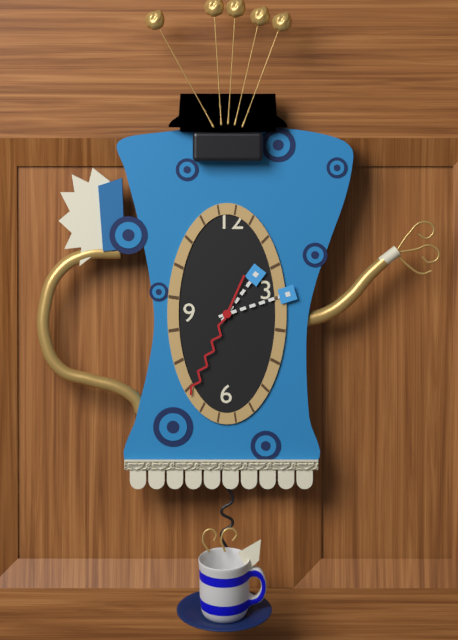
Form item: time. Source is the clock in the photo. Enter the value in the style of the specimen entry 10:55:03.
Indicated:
1:12:34
